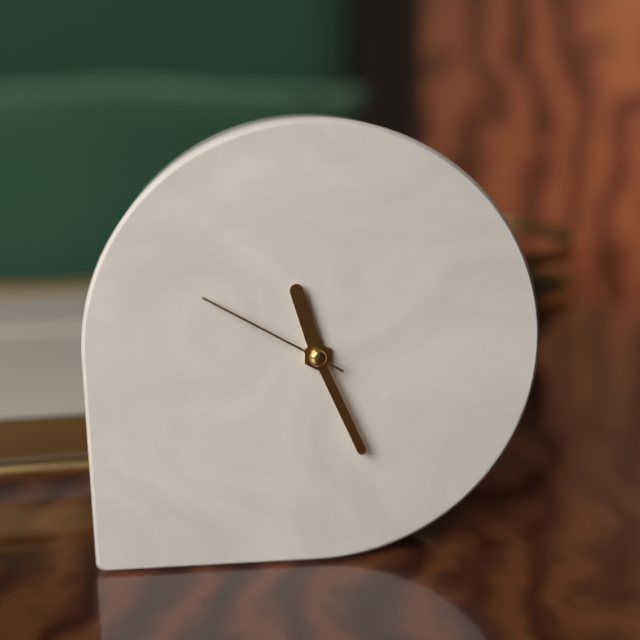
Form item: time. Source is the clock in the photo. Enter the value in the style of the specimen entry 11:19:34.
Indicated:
11:26:50
